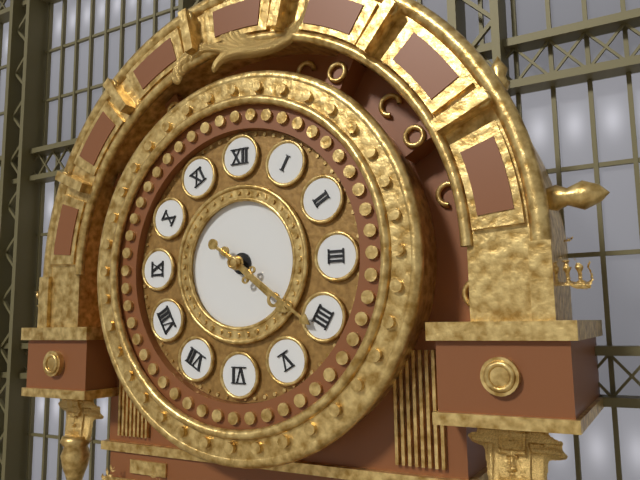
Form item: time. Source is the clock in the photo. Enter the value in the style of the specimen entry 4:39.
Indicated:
4:21
